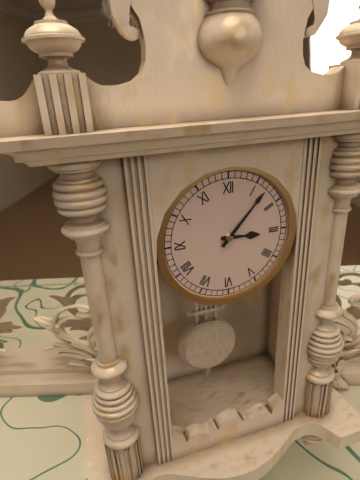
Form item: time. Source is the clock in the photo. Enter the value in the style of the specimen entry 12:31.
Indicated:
3:07
